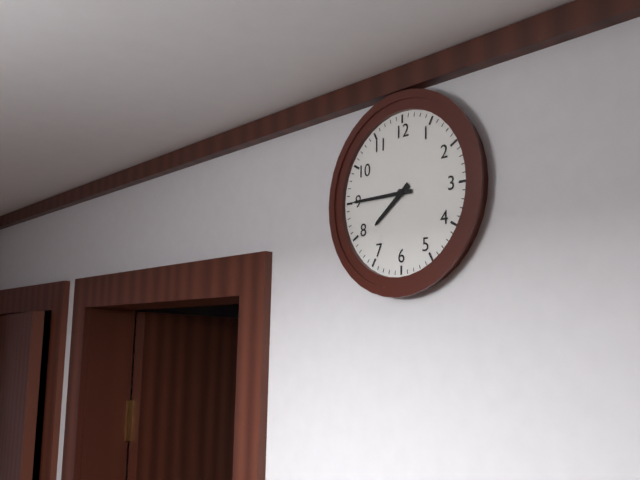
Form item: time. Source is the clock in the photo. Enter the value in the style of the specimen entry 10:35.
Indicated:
7:45
